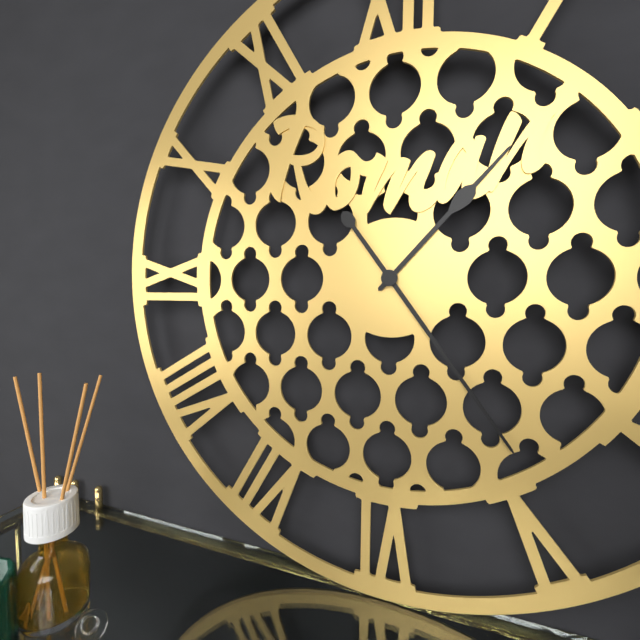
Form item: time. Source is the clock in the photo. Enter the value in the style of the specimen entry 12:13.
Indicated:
1:24
